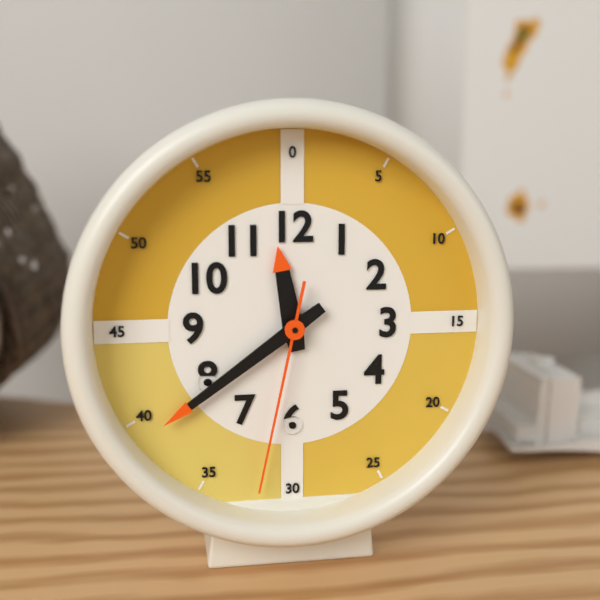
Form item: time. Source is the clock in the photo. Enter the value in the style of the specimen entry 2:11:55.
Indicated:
11:39:32
